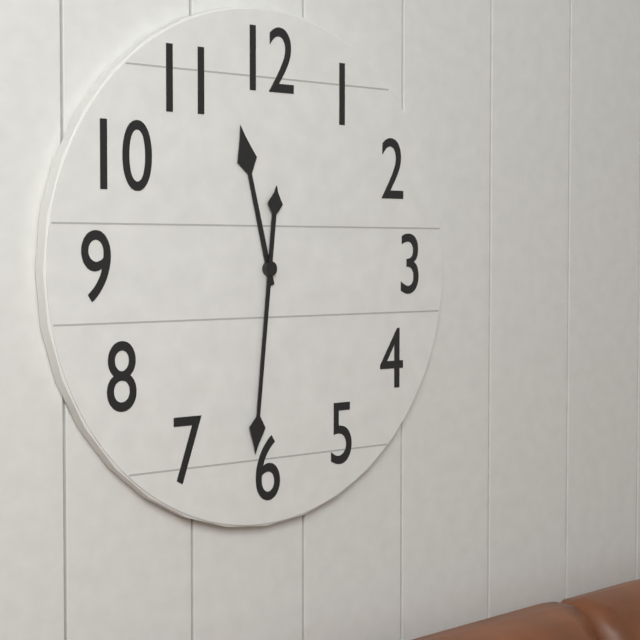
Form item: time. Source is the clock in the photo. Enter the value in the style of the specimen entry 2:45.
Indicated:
11:31
